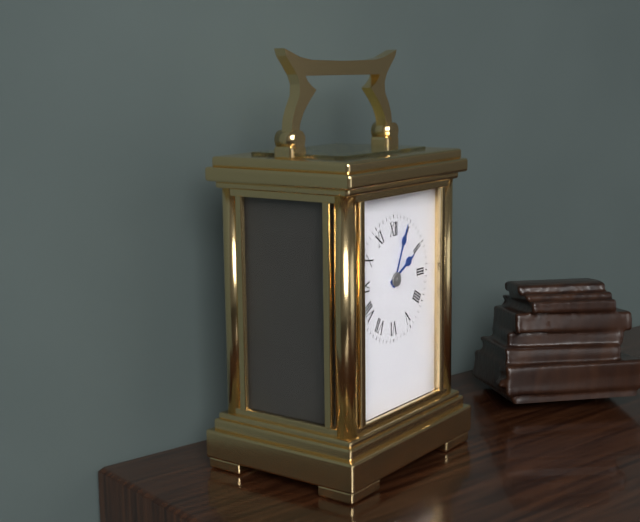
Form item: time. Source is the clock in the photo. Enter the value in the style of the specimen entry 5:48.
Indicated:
2:04
